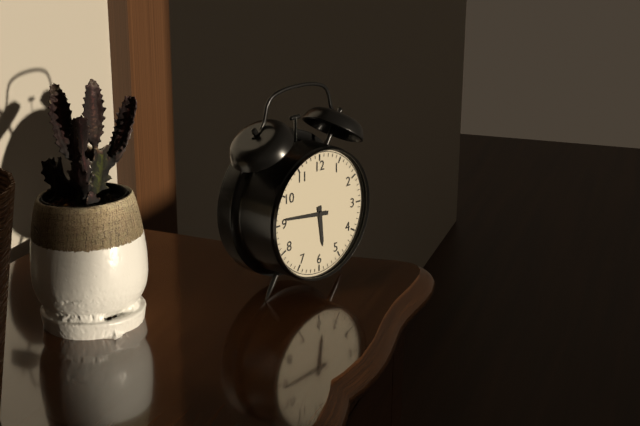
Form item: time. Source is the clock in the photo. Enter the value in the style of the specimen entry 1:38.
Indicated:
5:46
